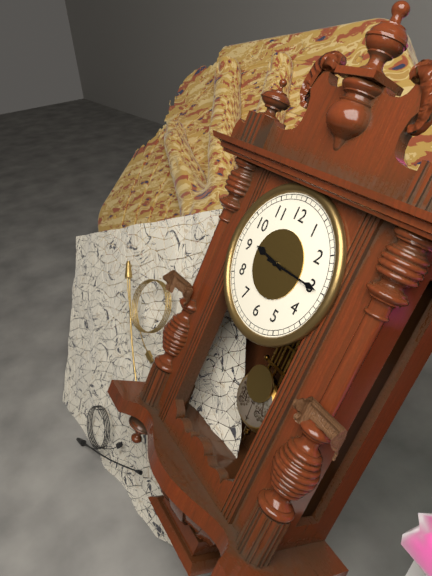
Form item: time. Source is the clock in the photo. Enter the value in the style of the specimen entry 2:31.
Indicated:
9:15
